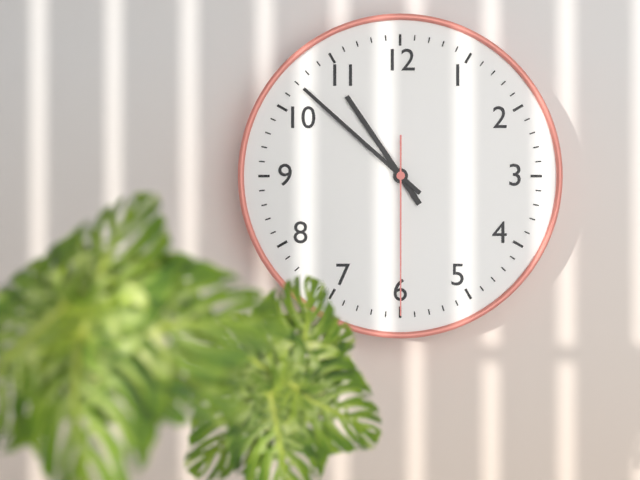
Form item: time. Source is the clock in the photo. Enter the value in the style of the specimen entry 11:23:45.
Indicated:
10:52:30
